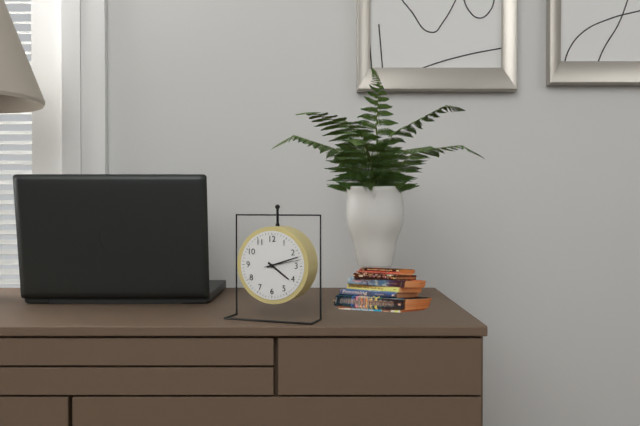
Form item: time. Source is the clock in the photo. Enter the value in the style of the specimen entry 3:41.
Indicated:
4:12
